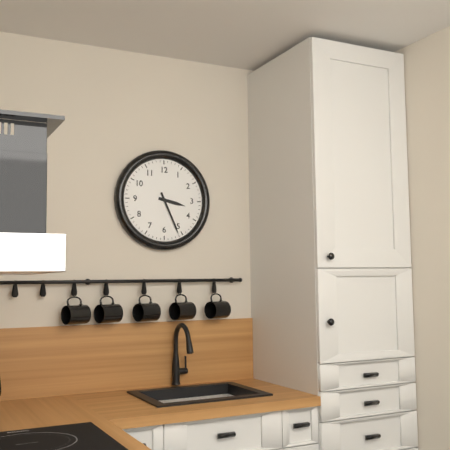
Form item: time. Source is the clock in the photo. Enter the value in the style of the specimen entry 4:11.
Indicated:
3:26
